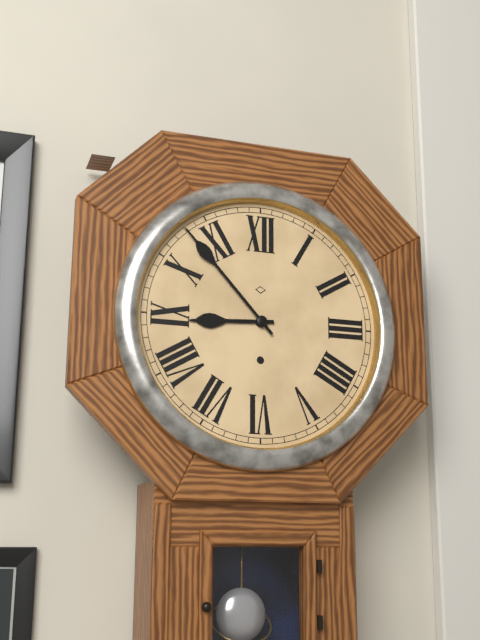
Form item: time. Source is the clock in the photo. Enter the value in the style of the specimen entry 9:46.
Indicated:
8:53
